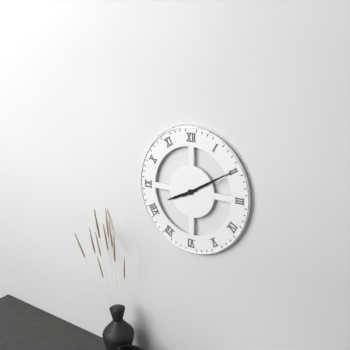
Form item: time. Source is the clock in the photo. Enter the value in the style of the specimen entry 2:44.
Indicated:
8:10
